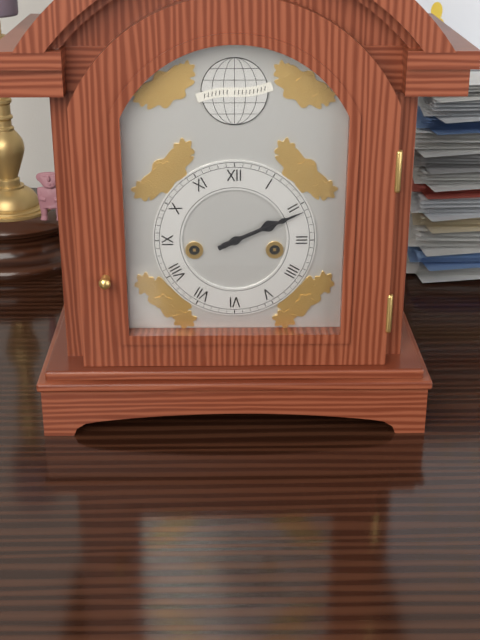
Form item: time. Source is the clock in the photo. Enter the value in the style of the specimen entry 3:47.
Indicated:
2:11
